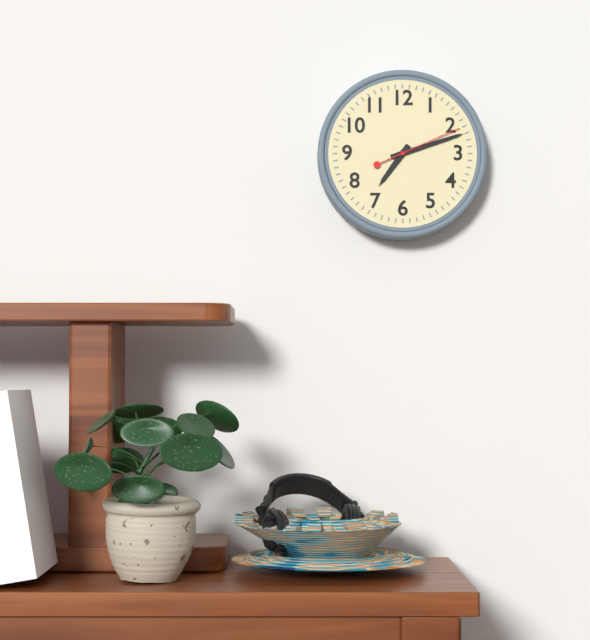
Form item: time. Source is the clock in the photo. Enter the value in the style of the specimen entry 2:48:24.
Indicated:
7:12:11
